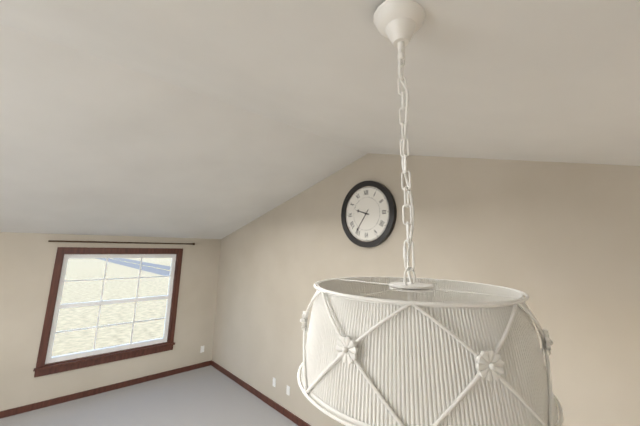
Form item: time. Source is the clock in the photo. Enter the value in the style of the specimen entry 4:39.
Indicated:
9:36
